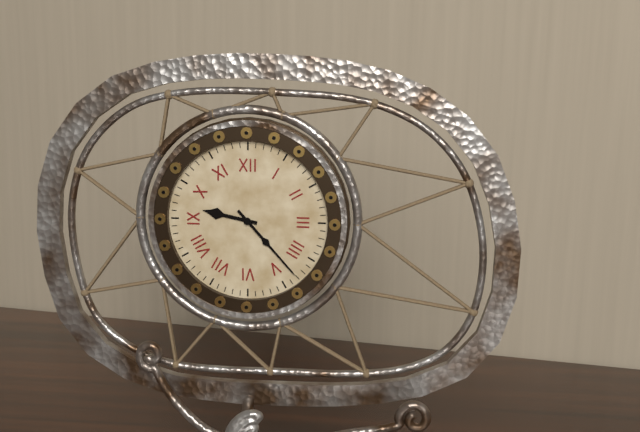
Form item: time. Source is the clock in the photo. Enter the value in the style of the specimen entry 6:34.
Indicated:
9:23
